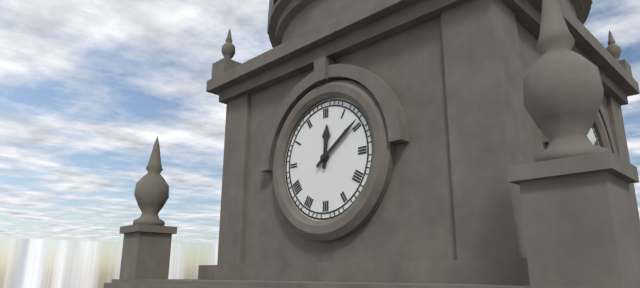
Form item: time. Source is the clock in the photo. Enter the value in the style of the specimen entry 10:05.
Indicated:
12:09
